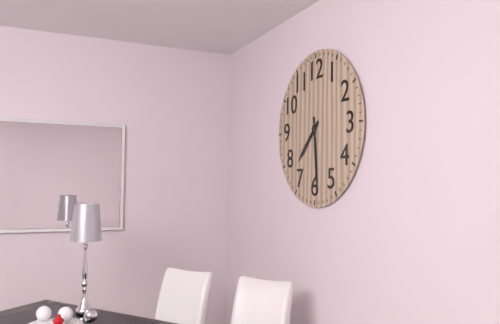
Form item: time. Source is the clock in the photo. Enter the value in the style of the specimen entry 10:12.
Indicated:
7:29
